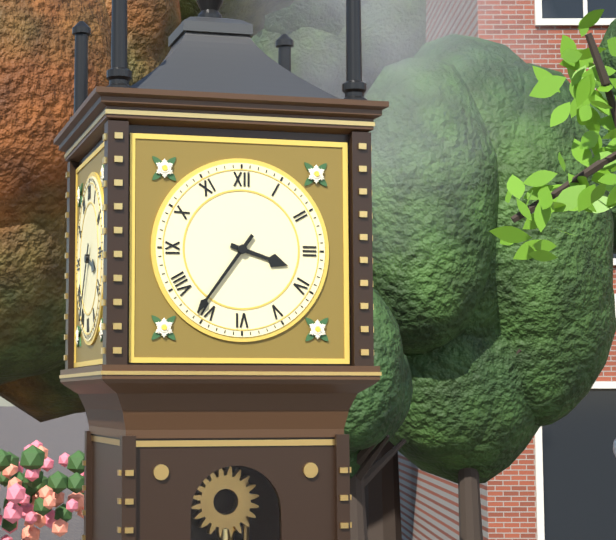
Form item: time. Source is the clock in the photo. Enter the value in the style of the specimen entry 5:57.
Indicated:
3:36
